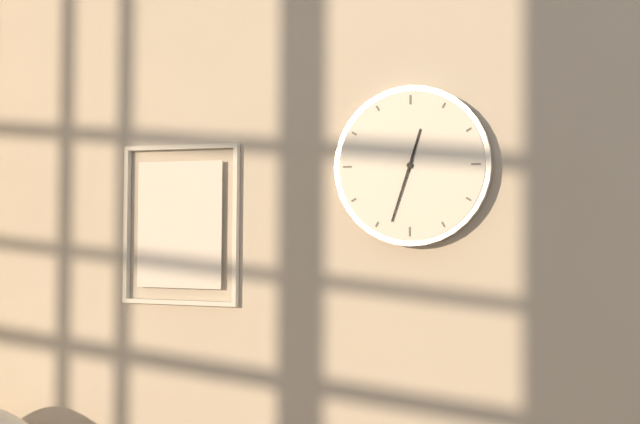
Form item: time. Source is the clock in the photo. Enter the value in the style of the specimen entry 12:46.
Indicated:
12:33
